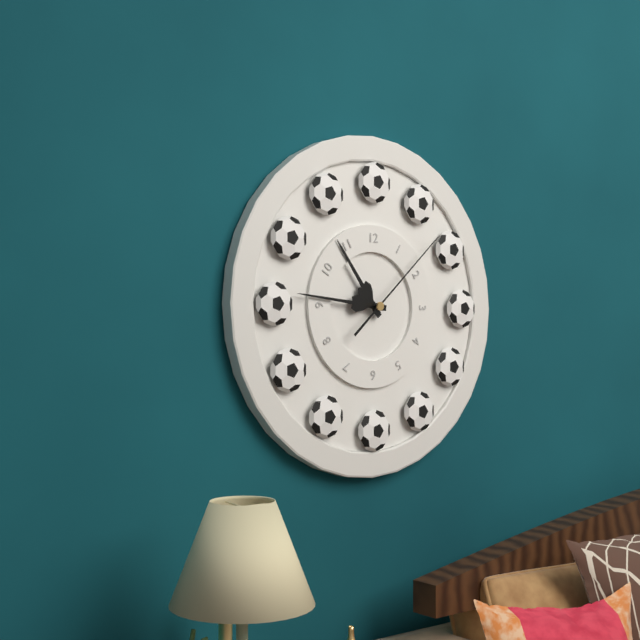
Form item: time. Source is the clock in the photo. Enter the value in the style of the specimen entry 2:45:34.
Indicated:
10:46:08
